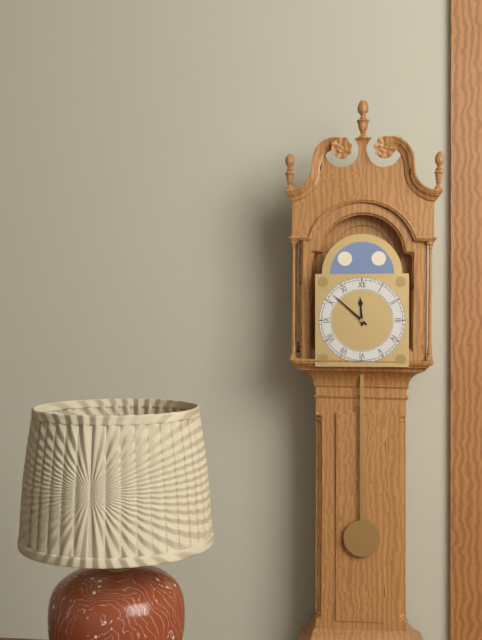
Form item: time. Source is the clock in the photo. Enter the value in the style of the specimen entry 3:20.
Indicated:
11:52
